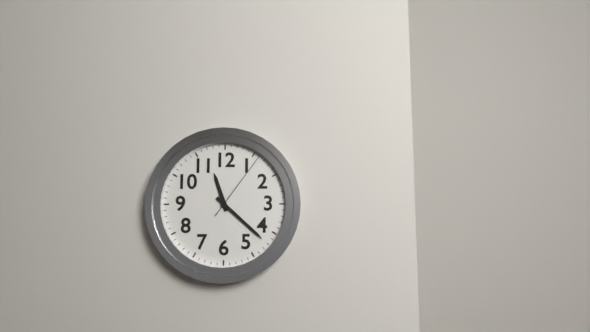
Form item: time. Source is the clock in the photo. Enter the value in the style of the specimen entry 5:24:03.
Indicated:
11:22:06
